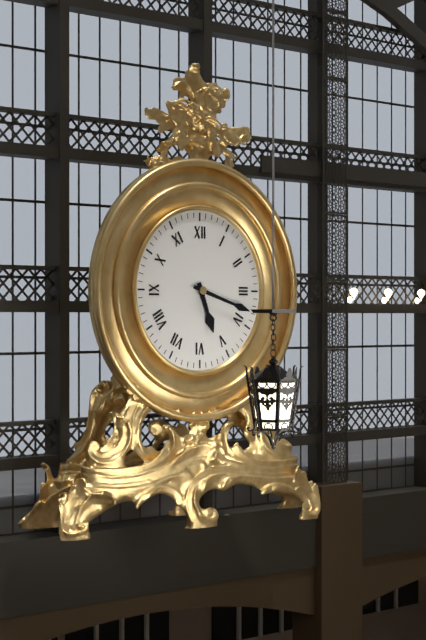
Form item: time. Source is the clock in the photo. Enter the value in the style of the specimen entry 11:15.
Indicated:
5:18
